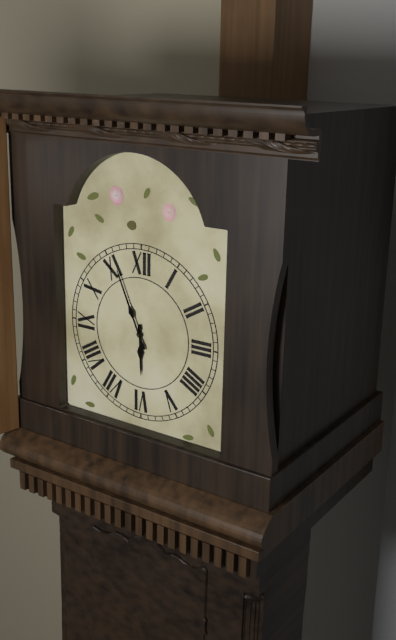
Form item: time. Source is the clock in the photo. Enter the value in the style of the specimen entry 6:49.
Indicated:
5:56
